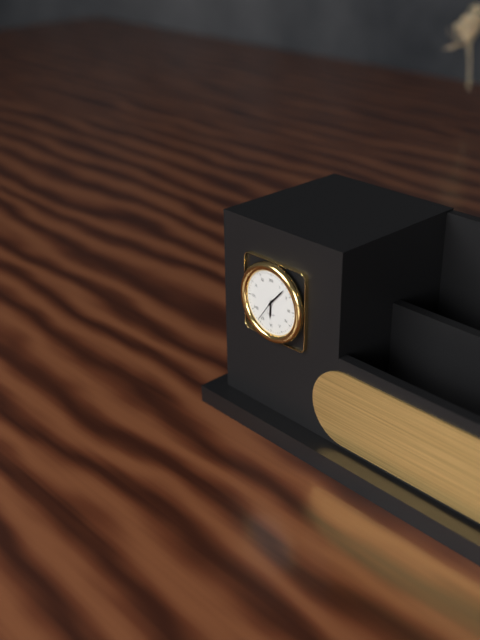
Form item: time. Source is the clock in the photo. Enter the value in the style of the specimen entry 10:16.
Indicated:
6:07
